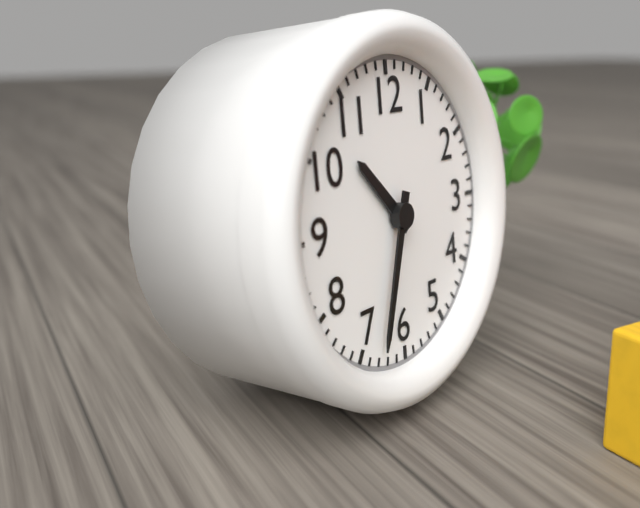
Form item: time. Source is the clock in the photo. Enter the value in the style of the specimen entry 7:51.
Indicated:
10:33
